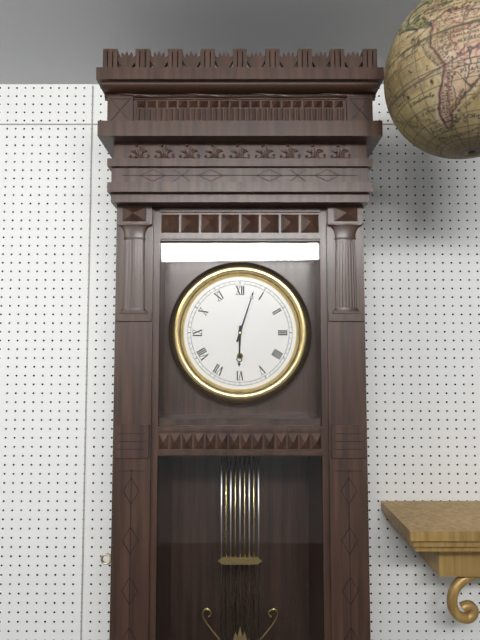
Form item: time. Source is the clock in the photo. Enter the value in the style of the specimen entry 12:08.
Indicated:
6:03
